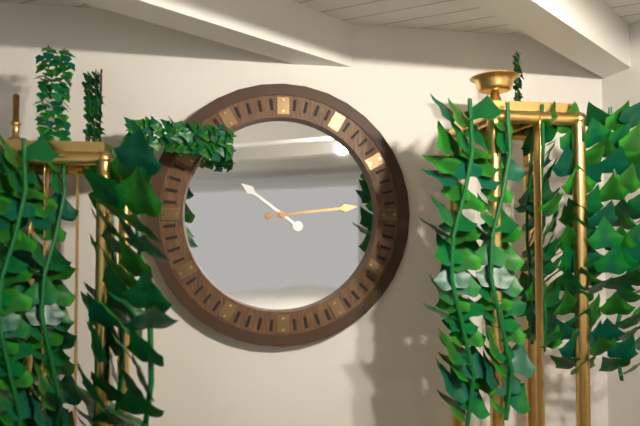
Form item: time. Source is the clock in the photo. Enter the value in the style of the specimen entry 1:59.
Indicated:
10:14
